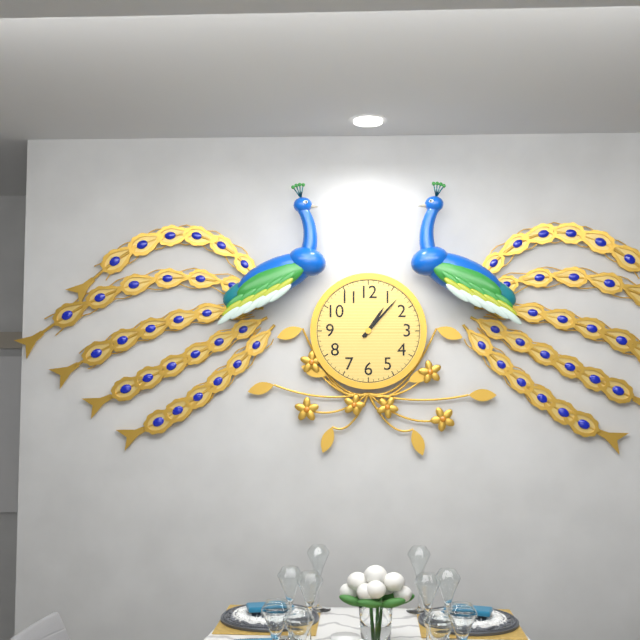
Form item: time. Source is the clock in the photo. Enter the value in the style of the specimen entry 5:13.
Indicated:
1:07
